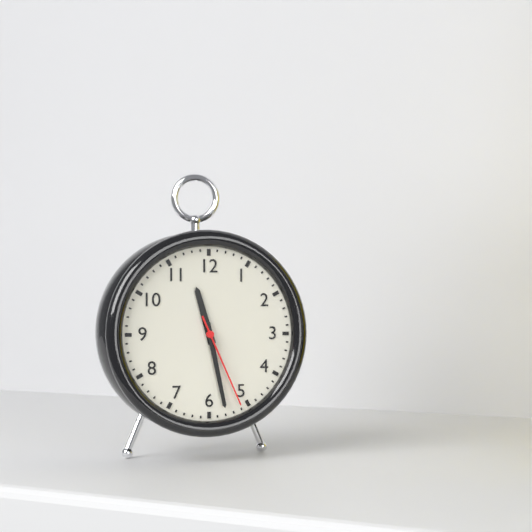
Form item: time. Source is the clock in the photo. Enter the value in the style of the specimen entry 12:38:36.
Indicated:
11:28:26
